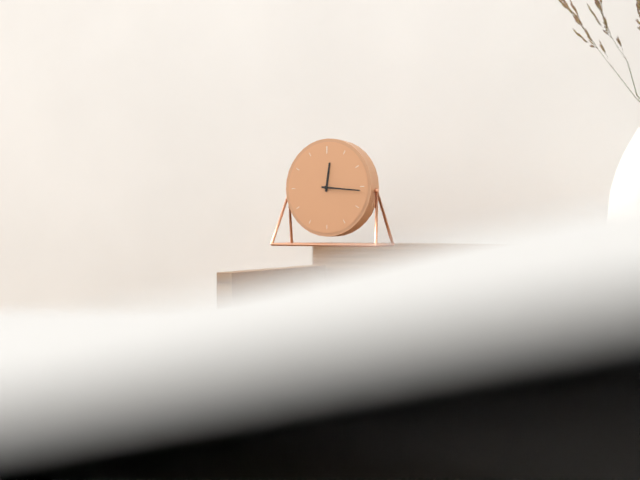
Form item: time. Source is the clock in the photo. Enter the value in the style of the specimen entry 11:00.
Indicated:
12:16
